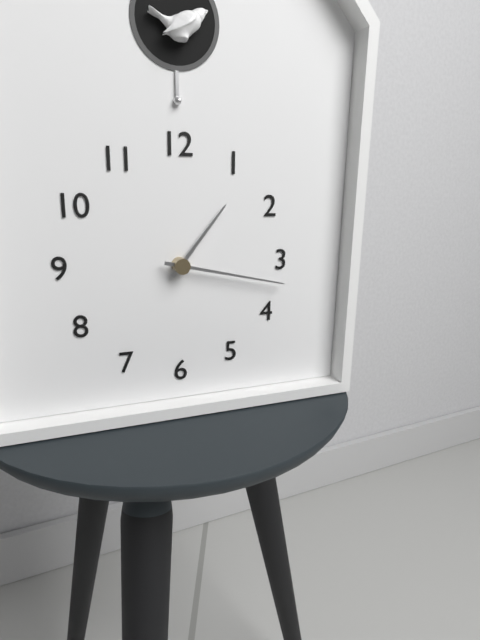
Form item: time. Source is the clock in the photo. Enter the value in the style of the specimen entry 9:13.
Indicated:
1:17
